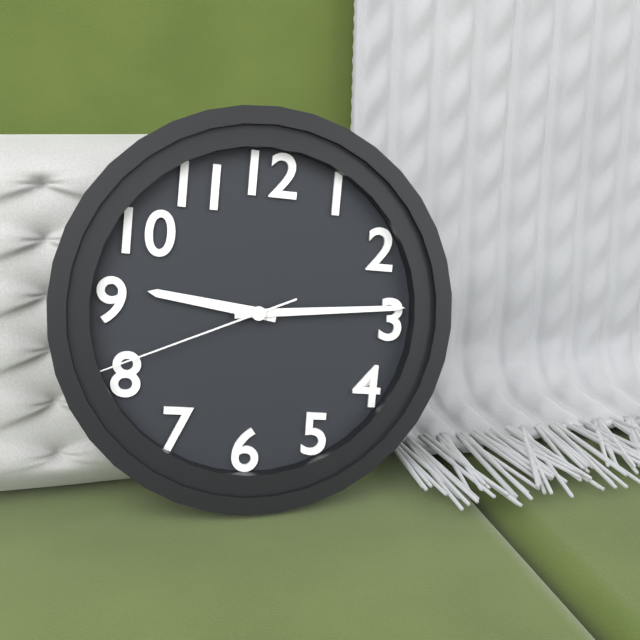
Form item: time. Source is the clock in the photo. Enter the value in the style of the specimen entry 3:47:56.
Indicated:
9:14:41
